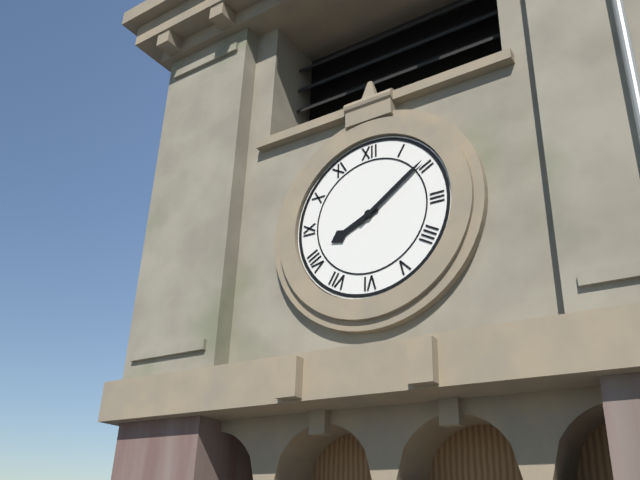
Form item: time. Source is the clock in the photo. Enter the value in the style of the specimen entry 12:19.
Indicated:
8:09
